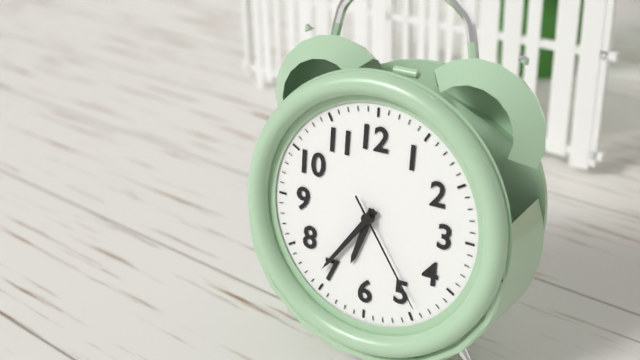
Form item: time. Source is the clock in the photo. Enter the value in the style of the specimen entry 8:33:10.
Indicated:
6:36:24
